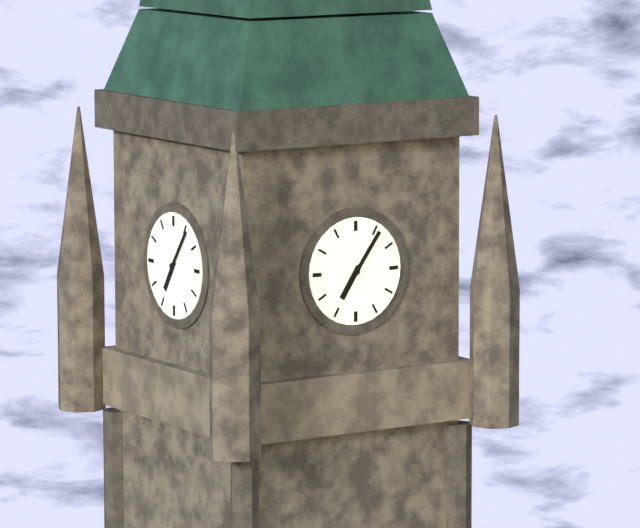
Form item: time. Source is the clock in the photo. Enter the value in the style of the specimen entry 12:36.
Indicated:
7:06
